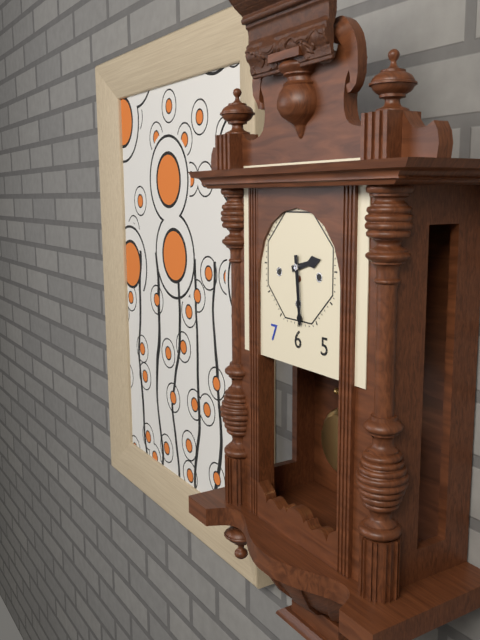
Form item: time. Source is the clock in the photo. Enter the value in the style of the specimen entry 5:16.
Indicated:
2:29
